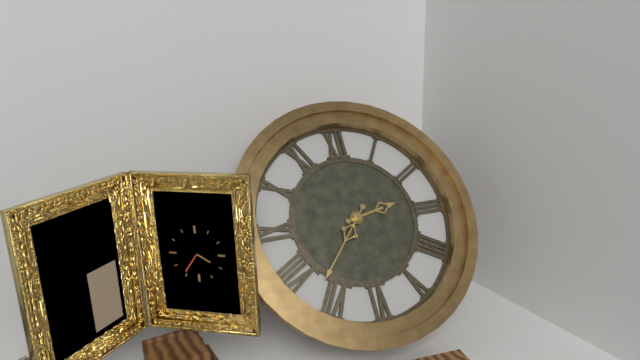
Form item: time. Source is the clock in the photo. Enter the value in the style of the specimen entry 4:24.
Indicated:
2:37
